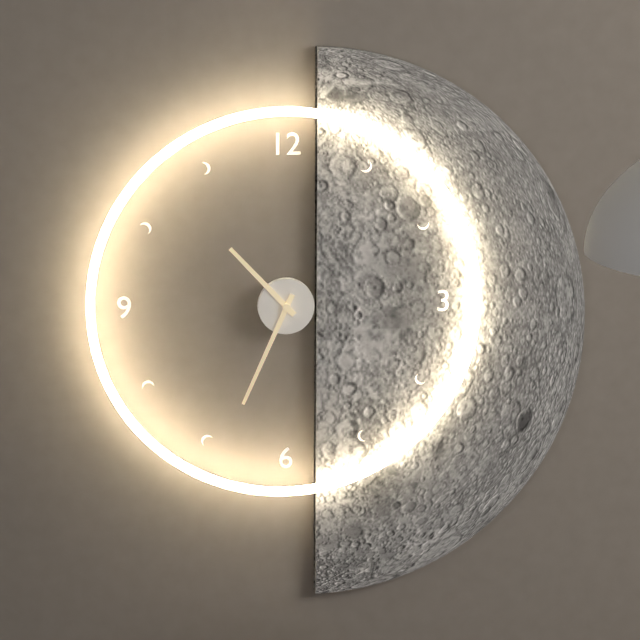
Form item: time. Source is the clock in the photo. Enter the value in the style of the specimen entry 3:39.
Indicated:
10:34
